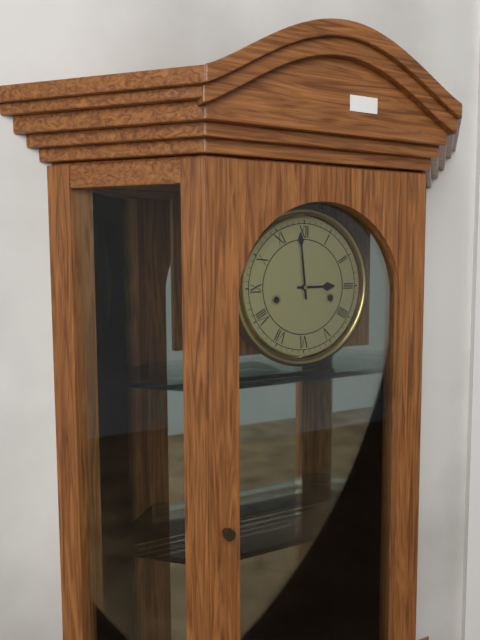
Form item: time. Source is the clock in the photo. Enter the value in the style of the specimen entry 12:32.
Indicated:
2:59
